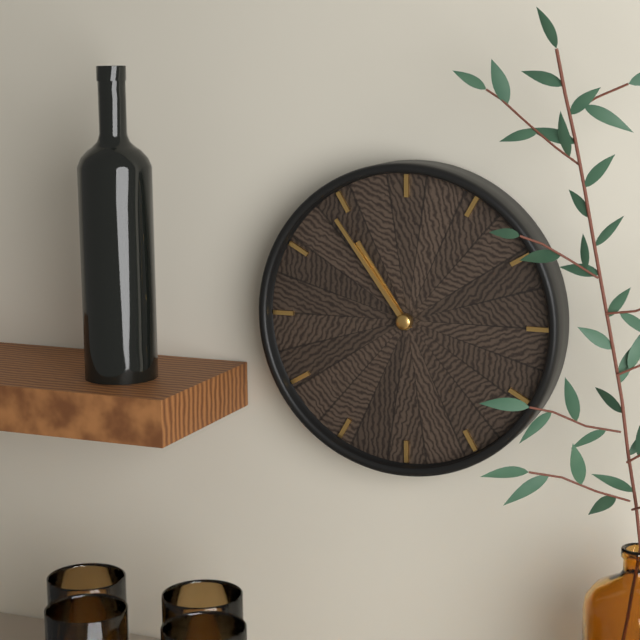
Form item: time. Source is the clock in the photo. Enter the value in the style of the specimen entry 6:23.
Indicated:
10:54
